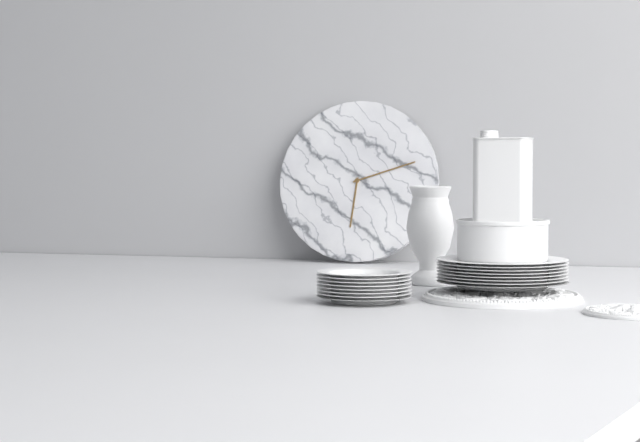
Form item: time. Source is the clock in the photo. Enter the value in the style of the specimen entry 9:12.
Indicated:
6:12
